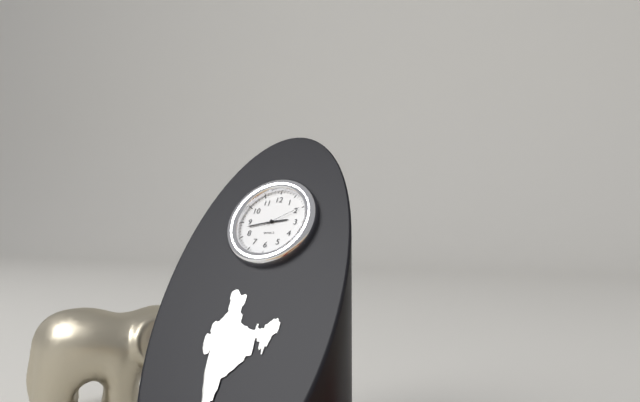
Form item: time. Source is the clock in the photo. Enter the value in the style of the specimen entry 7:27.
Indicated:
2:43
